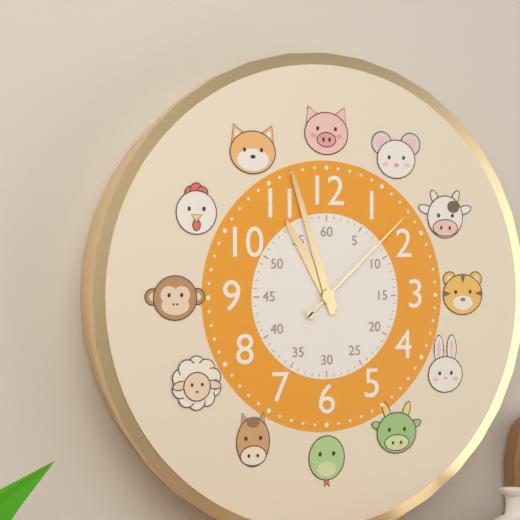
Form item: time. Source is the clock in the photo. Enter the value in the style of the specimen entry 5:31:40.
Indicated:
10:57:08
